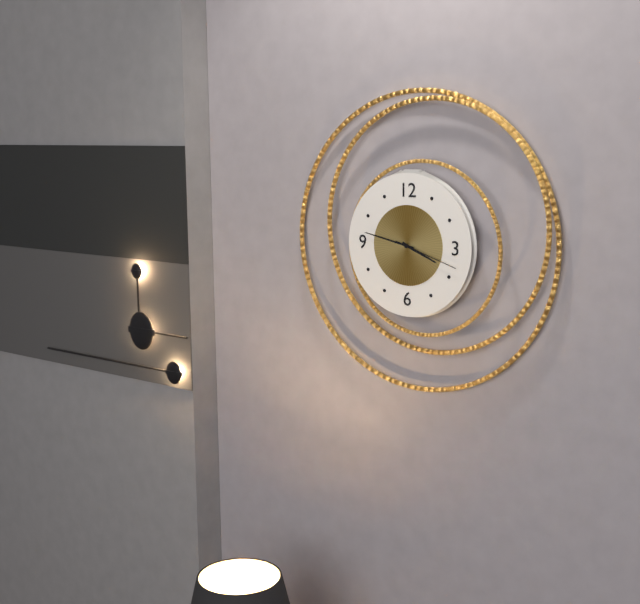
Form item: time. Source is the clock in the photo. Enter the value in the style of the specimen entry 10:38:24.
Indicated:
3:47:18
